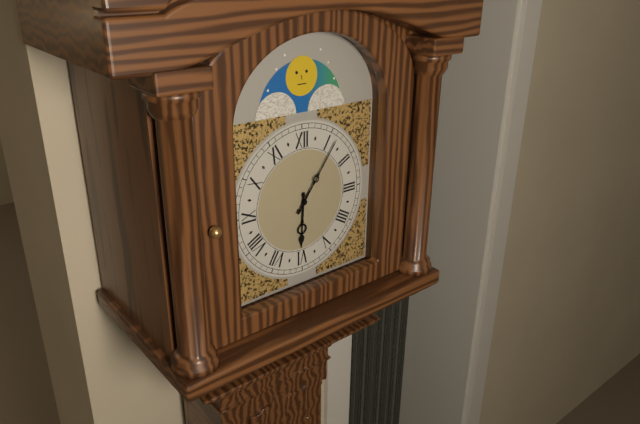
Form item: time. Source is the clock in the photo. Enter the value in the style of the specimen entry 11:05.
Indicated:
6:06
